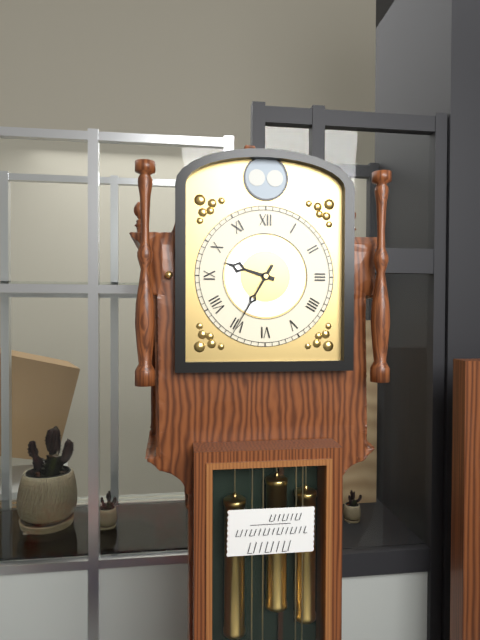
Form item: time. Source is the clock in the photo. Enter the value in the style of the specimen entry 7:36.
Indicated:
9:35
